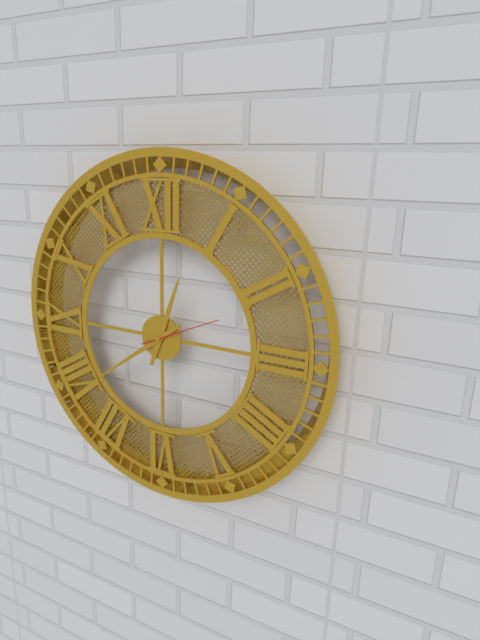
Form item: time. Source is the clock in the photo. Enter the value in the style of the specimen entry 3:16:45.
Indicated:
12:39:11
